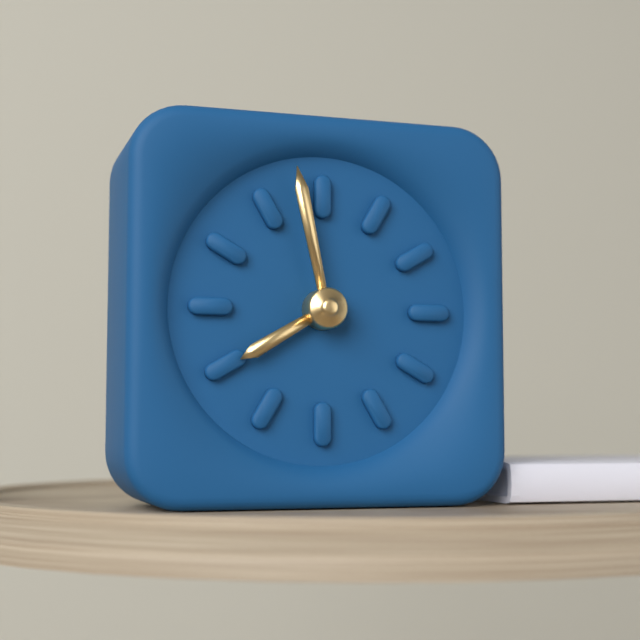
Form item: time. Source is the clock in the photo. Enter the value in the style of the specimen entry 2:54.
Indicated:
7:58
